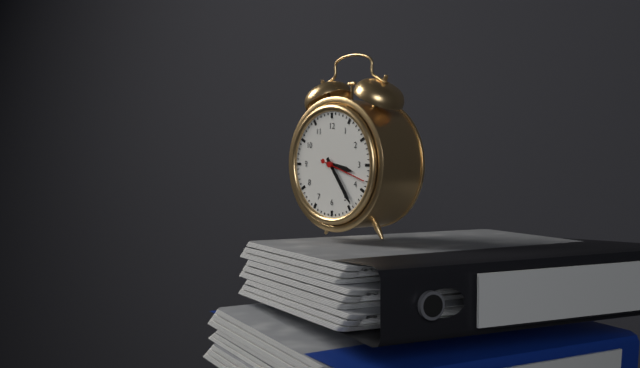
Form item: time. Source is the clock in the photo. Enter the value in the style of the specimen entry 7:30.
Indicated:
3:24
